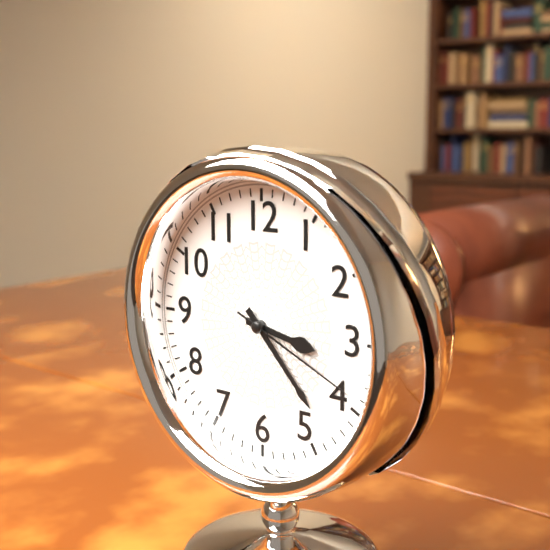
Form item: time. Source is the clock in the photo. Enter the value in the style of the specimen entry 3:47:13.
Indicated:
3:23:19
